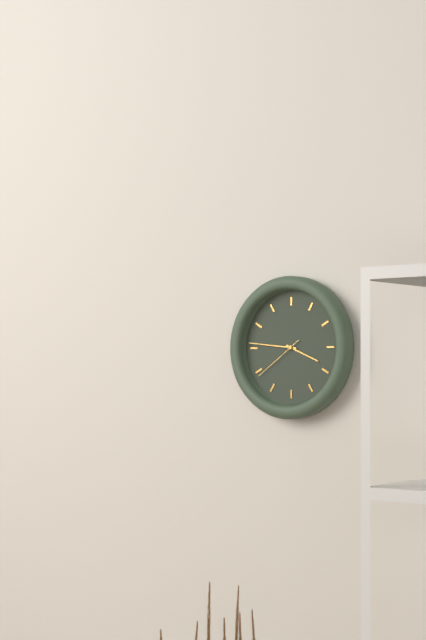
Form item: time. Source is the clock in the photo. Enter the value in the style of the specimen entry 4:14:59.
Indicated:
3:46:39
